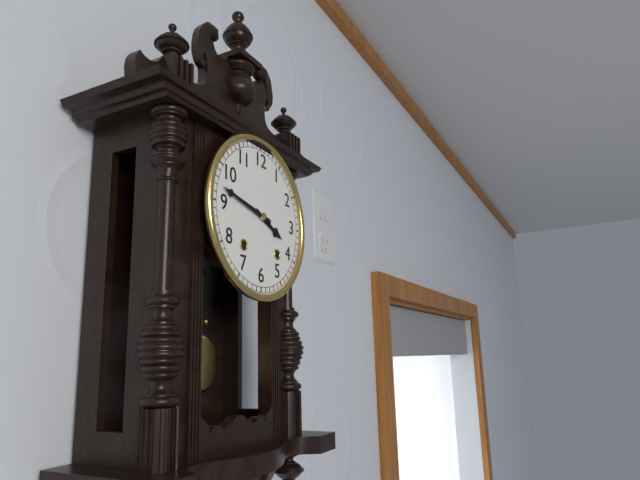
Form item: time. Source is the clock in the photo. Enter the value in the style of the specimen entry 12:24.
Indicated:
3:47
